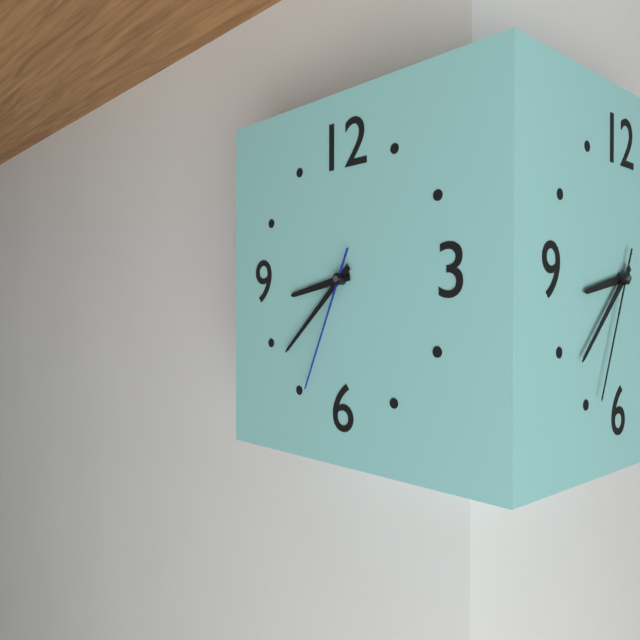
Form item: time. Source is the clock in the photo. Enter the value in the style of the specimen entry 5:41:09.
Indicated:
8:38:34
